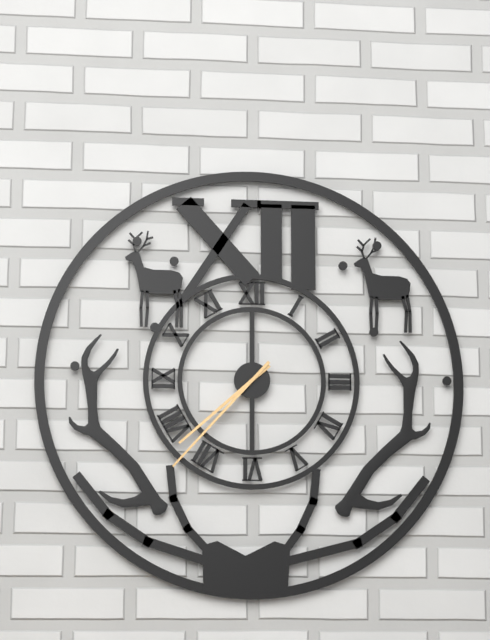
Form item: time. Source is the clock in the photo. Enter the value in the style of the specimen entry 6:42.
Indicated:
7:37
